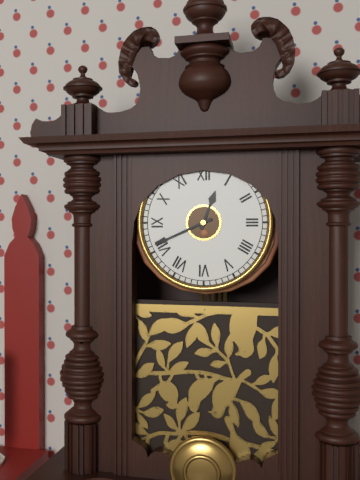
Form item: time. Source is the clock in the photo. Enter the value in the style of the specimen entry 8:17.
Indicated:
12:41
